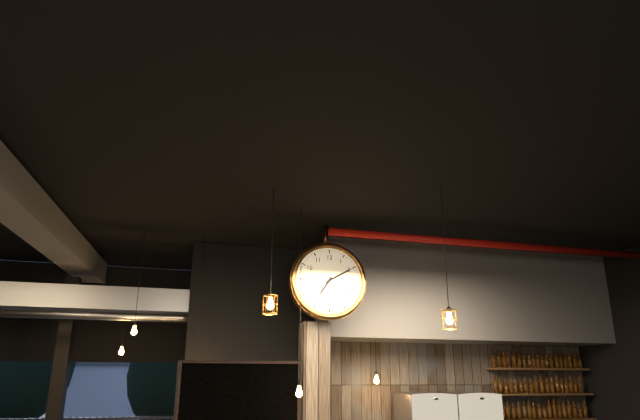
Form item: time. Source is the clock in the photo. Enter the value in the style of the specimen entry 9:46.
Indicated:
7:10
